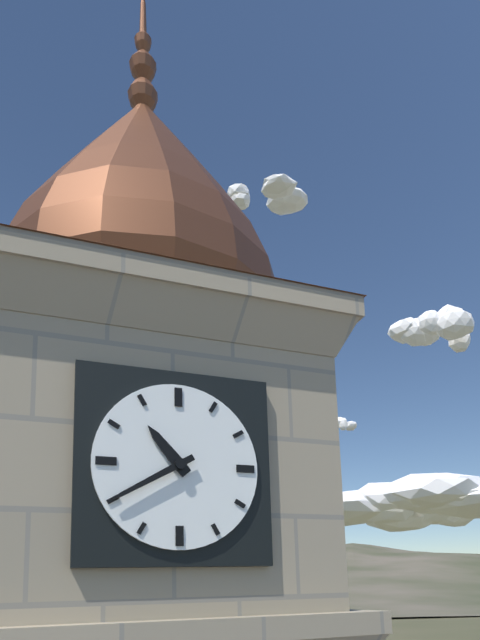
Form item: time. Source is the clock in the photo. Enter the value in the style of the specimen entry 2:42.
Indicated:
10:40
